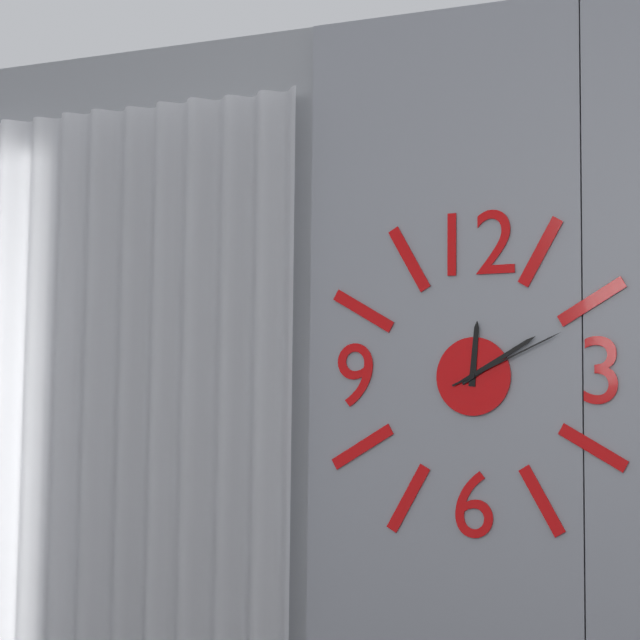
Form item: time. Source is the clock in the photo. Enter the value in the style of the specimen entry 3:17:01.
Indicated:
12:10:11
